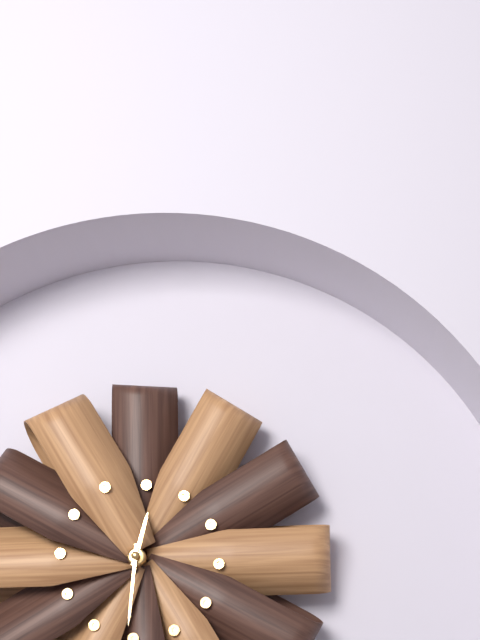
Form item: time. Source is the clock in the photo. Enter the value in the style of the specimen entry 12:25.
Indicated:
12:31
